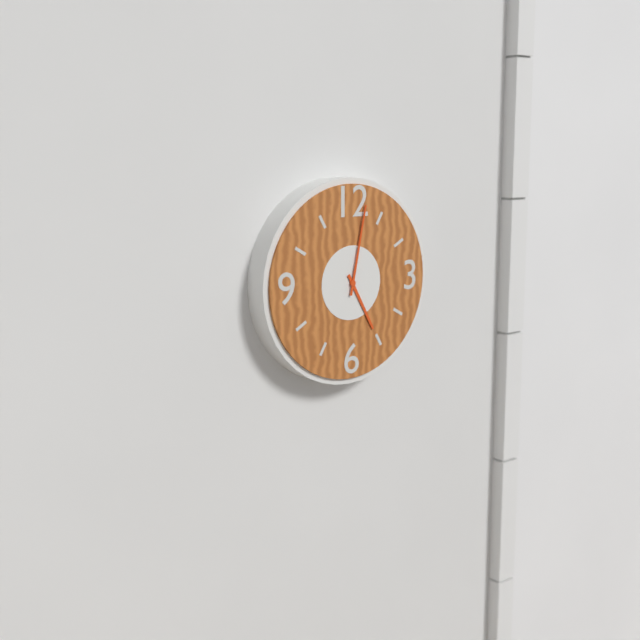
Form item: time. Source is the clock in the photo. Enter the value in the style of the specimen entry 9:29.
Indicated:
5:02
